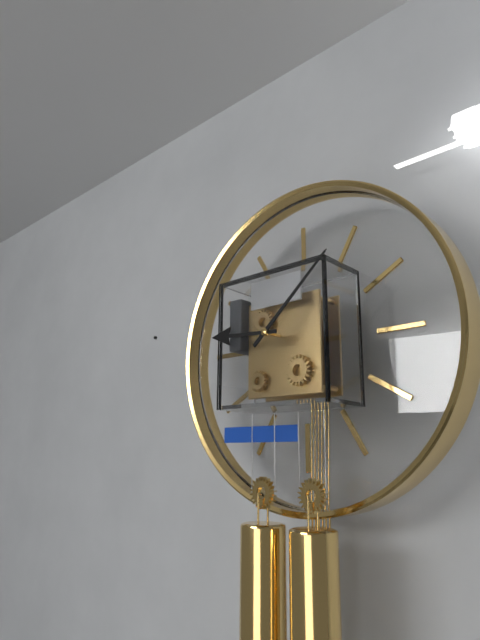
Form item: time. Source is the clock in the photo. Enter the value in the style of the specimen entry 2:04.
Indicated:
9:08
